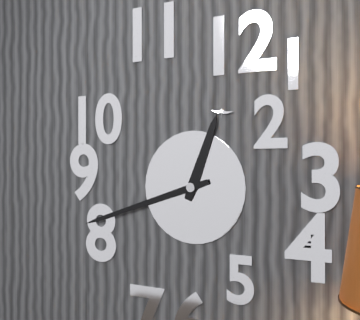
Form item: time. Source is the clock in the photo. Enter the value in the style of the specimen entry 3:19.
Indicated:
12:42
